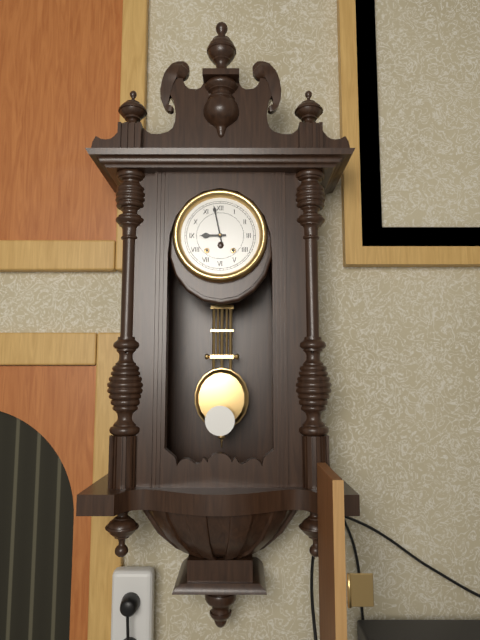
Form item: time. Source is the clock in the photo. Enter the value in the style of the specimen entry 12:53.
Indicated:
8:58
